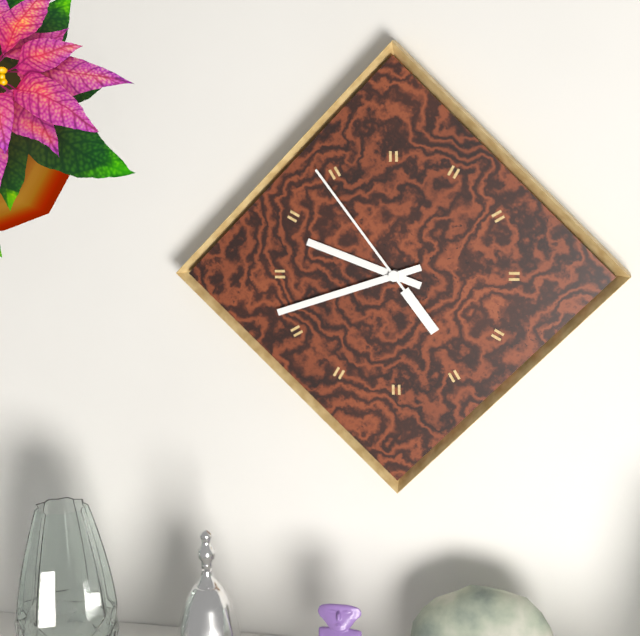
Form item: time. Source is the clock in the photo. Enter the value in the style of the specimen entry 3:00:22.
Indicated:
9:42:54
